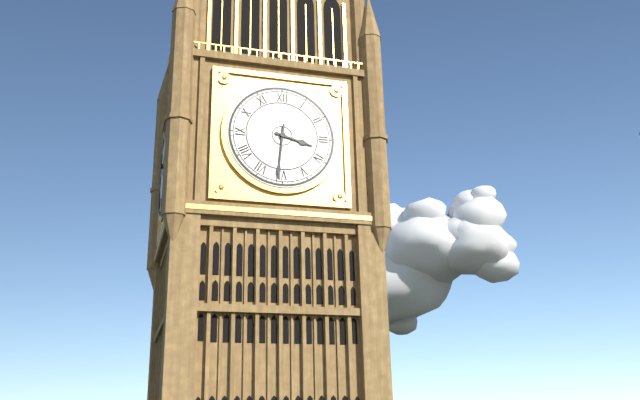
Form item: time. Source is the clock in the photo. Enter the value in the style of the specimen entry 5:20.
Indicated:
3:31
